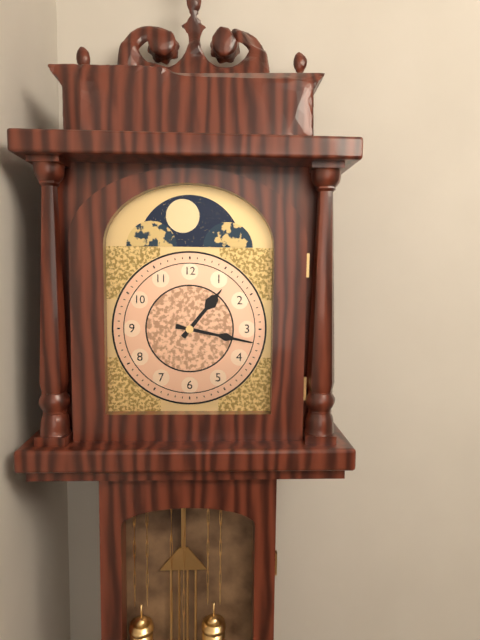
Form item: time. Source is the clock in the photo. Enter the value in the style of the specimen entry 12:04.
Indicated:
1:17
